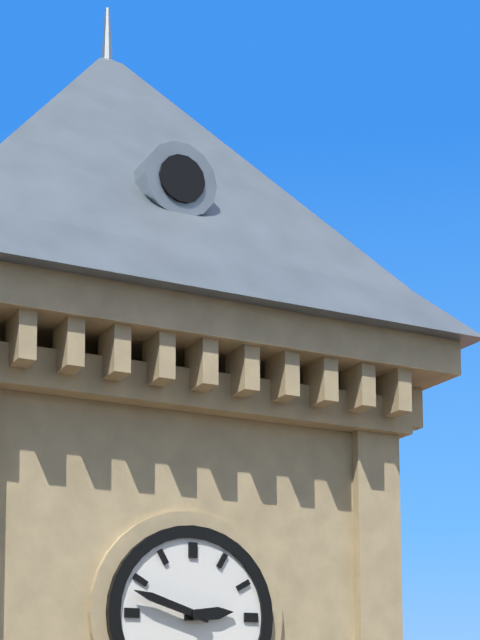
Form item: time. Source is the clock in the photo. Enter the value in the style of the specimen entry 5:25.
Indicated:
2:48
